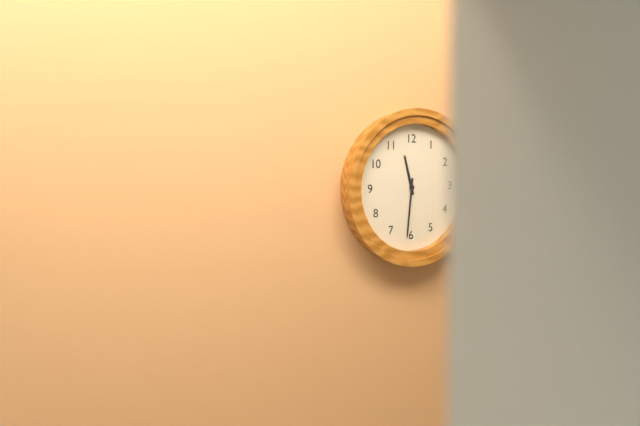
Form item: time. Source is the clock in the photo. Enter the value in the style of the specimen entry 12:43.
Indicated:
11:31
